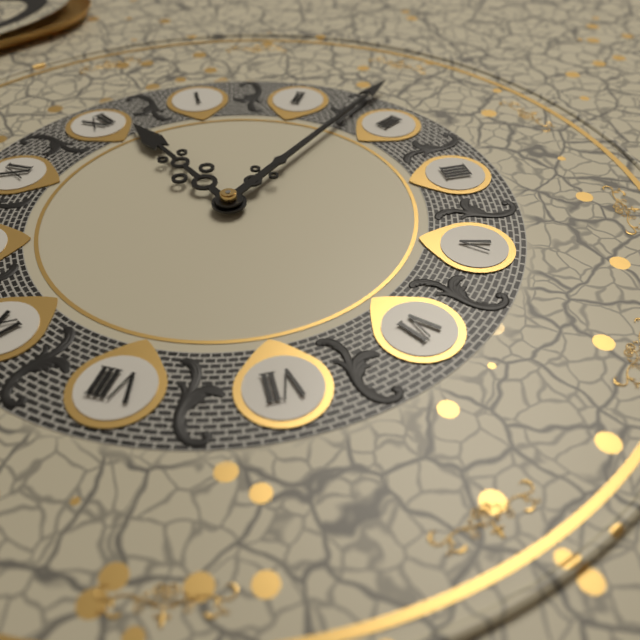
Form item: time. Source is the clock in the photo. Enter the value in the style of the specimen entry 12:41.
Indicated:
12:13
